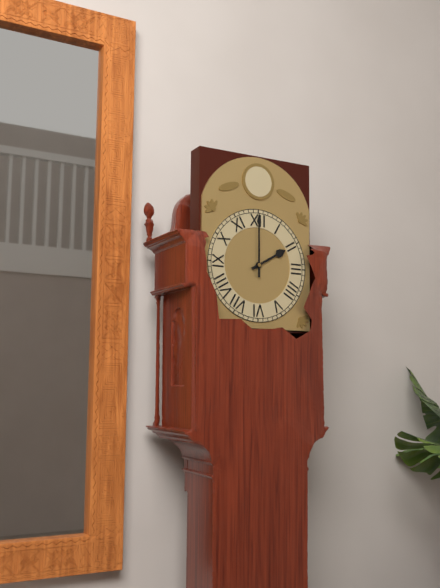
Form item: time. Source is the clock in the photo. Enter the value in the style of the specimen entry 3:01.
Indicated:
2:00
